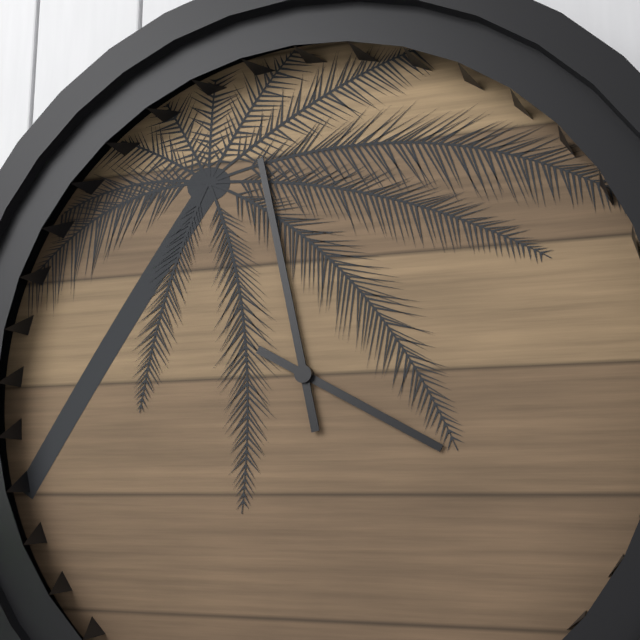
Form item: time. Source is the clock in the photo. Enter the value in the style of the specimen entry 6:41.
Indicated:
3:58
